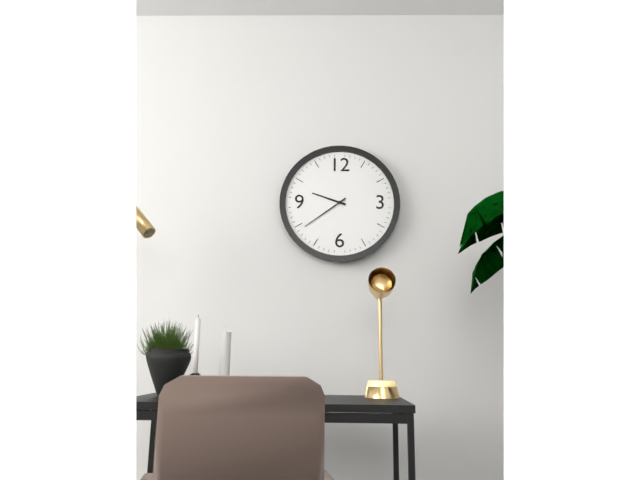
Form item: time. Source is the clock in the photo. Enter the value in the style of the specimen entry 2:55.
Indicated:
9:39
